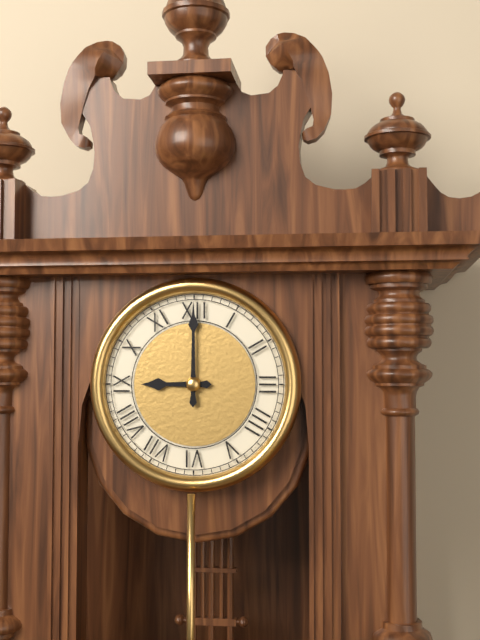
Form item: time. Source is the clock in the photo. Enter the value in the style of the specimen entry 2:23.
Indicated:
9:00
